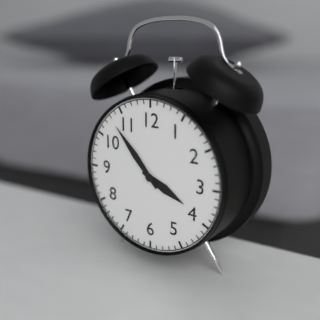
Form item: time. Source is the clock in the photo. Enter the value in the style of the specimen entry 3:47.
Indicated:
3:53
